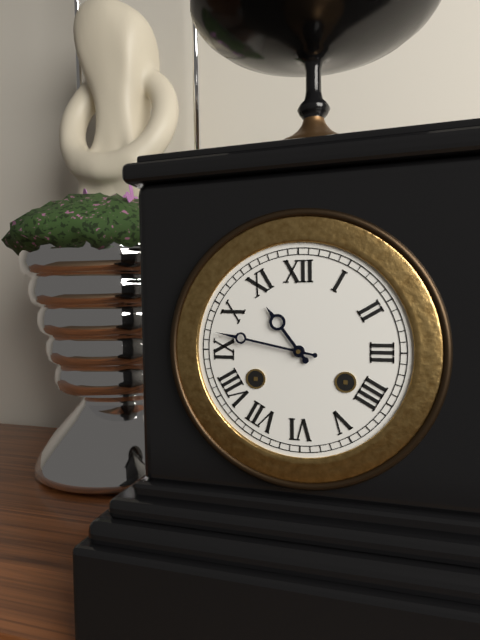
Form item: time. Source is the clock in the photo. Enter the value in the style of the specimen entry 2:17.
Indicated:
10:47
